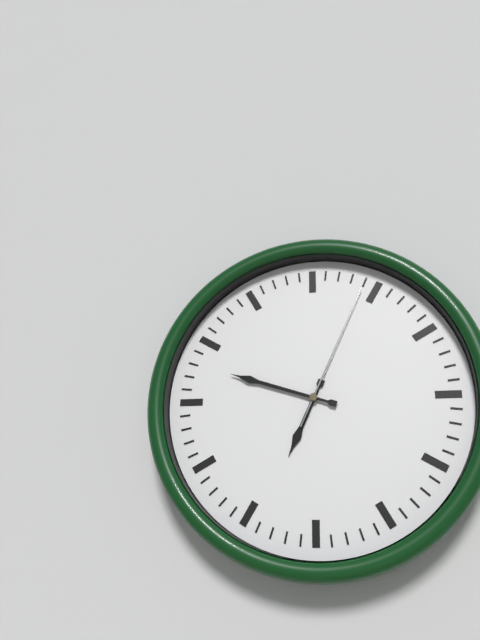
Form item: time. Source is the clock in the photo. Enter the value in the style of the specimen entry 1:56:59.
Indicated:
6:48:04
